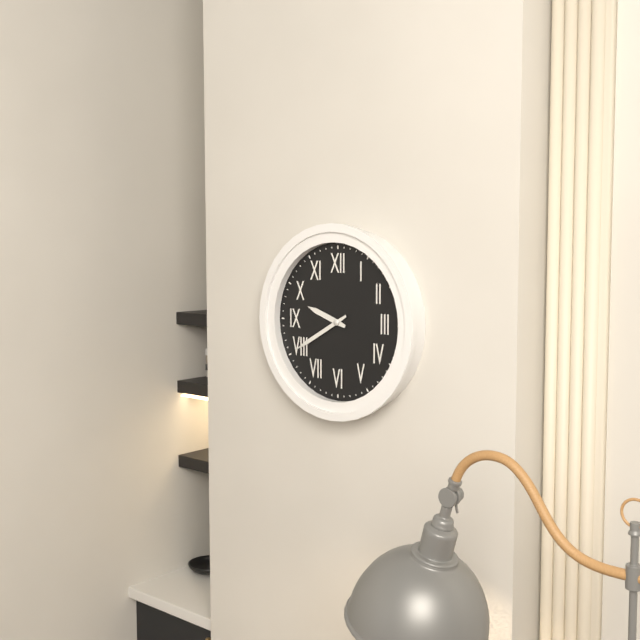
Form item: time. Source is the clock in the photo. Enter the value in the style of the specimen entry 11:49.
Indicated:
9:40
